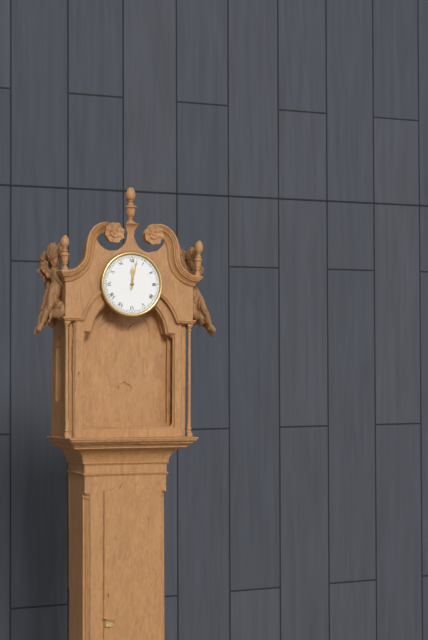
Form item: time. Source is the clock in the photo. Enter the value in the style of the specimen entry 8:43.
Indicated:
12:02
